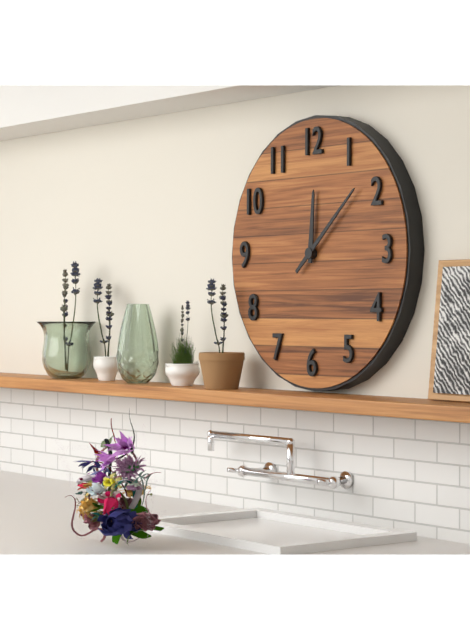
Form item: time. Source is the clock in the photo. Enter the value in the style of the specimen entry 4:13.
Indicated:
12:08
